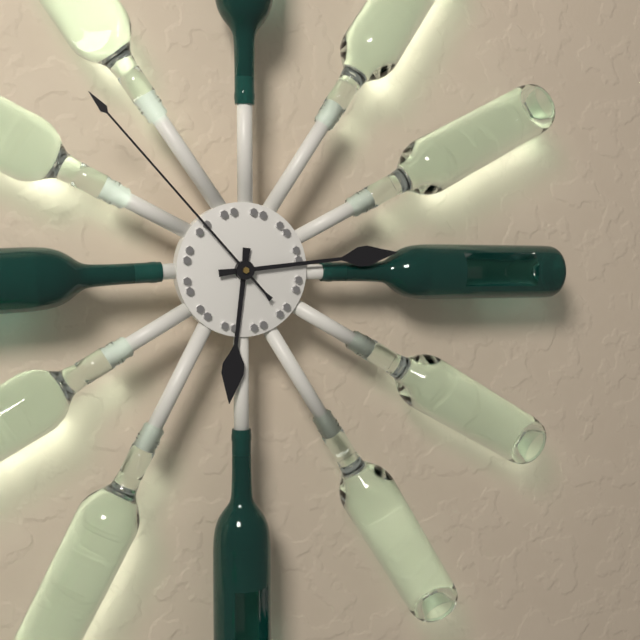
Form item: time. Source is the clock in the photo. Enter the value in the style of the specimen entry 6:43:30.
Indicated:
6:14:53
